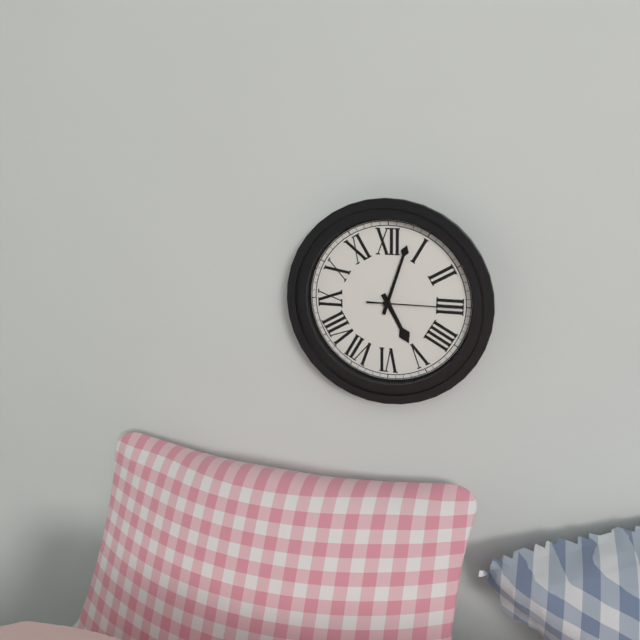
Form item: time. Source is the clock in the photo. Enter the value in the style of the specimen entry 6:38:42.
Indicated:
5:03:15
